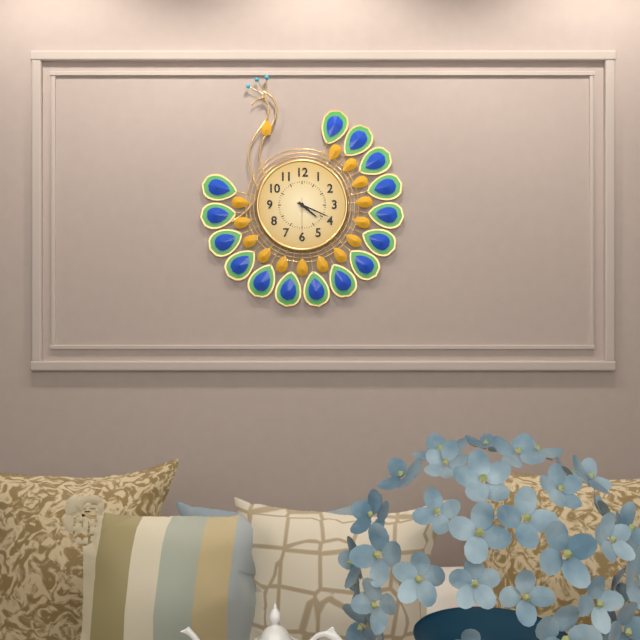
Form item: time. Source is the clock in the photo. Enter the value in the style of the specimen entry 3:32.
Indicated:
4:19
